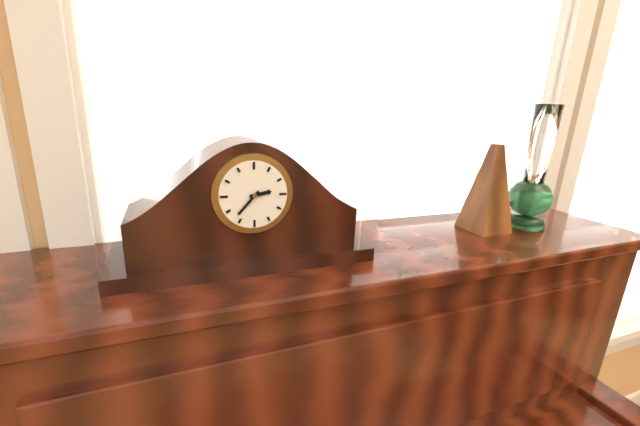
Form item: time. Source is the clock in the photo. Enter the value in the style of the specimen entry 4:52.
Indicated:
2:37
